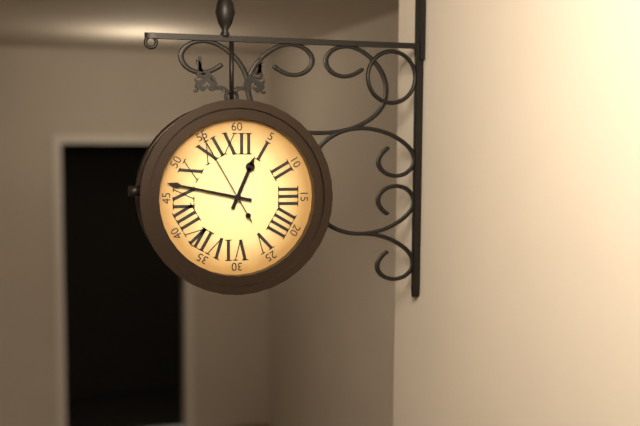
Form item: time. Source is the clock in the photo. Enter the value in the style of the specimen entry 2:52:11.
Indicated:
12:47:55
